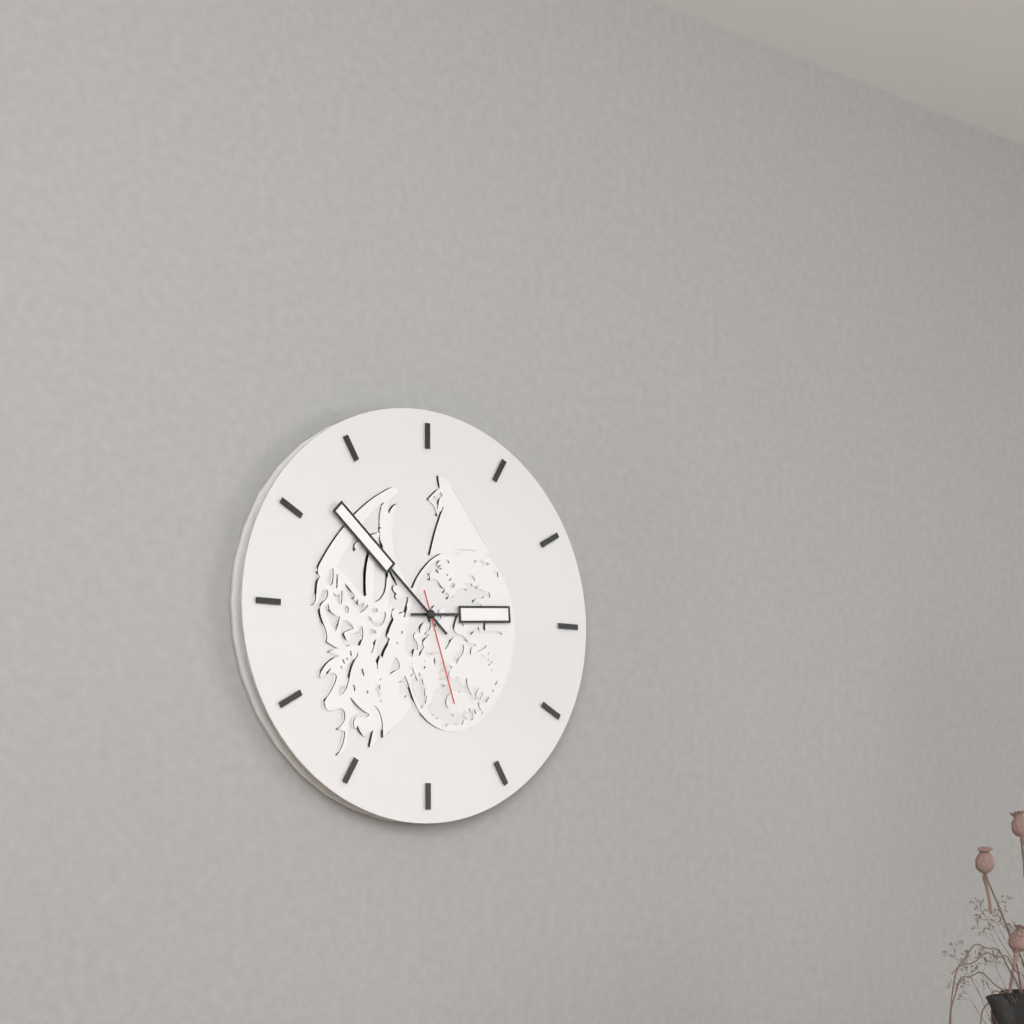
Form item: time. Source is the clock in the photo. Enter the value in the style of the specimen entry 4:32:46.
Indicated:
2:52:27
